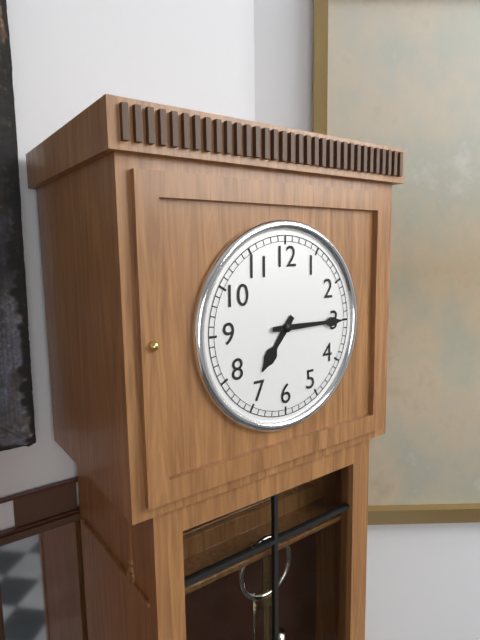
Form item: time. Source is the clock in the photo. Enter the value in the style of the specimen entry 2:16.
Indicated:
7:15
